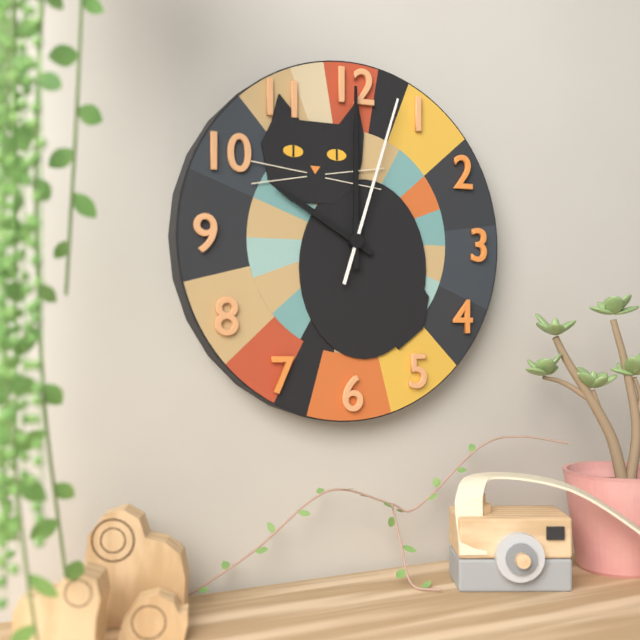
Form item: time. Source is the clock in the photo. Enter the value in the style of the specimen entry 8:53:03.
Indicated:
10:00:03
